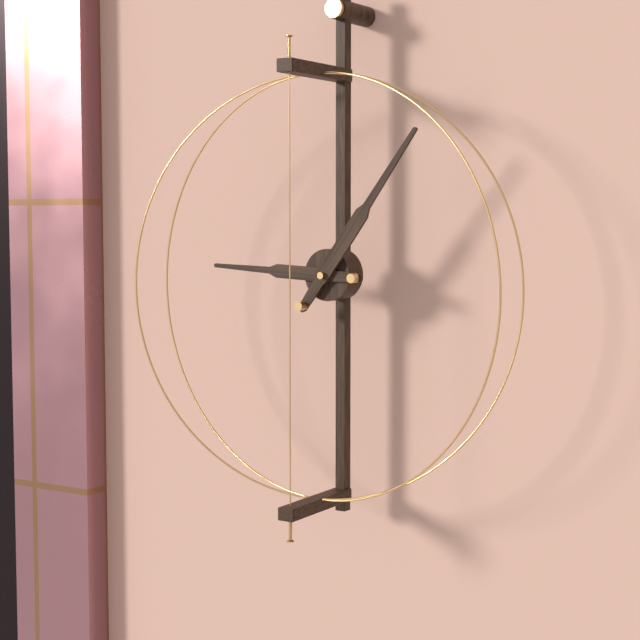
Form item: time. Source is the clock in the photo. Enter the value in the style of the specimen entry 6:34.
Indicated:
9:06
